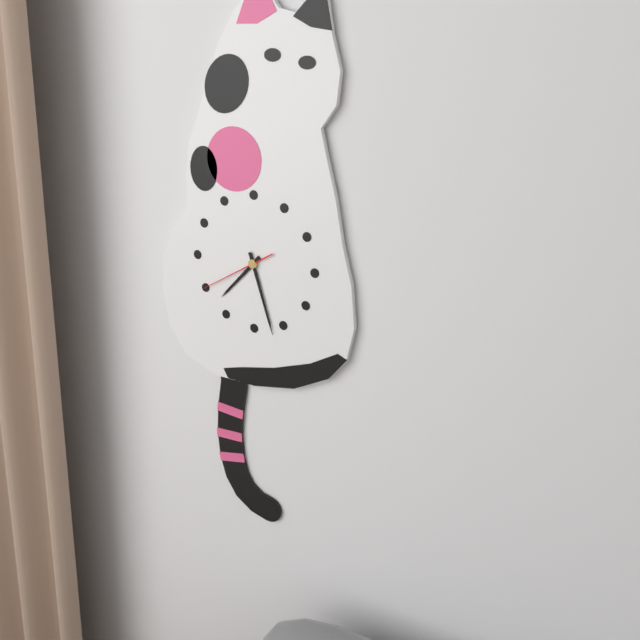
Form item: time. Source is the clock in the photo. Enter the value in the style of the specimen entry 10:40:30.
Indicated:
7:27:40
